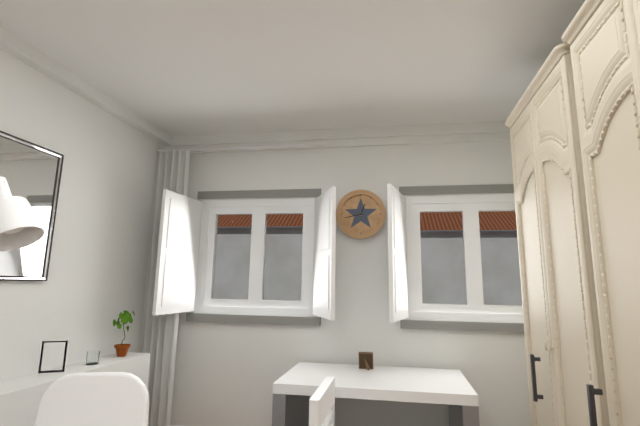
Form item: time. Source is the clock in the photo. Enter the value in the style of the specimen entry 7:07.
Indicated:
12:43
